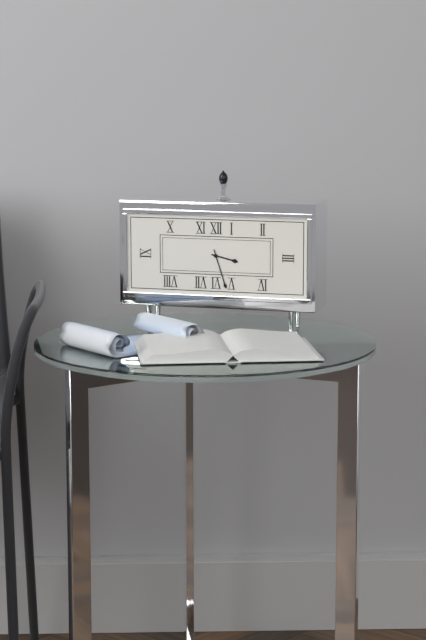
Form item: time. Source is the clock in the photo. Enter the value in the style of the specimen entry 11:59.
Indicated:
3:27
